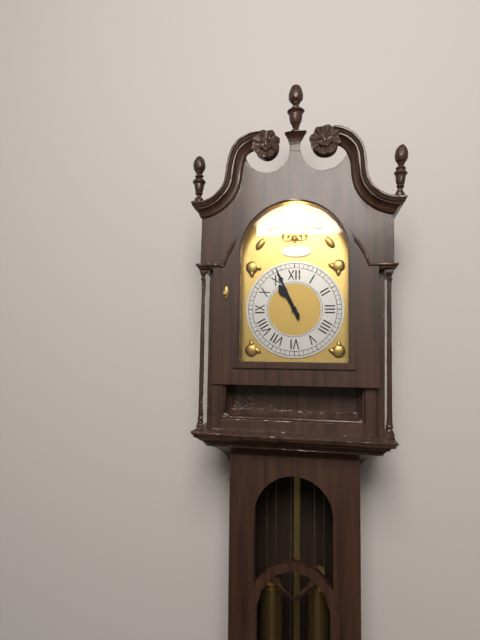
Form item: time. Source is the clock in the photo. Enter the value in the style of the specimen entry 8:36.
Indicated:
10:56
